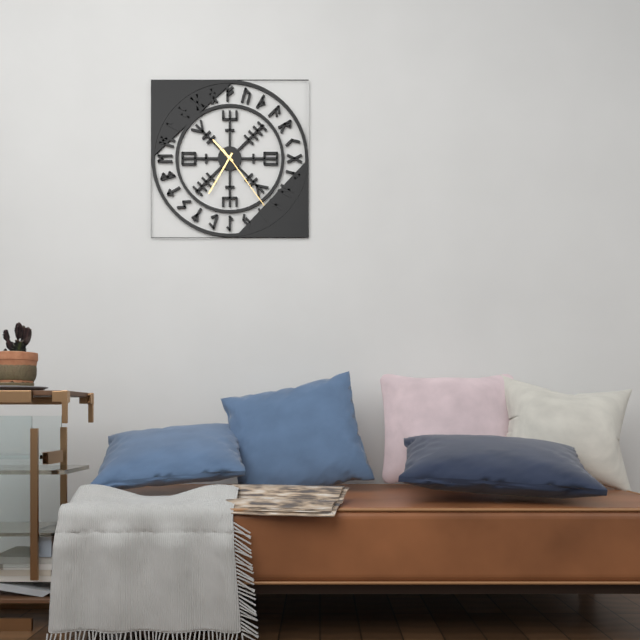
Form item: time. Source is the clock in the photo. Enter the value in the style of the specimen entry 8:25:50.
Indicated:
10:35:24
